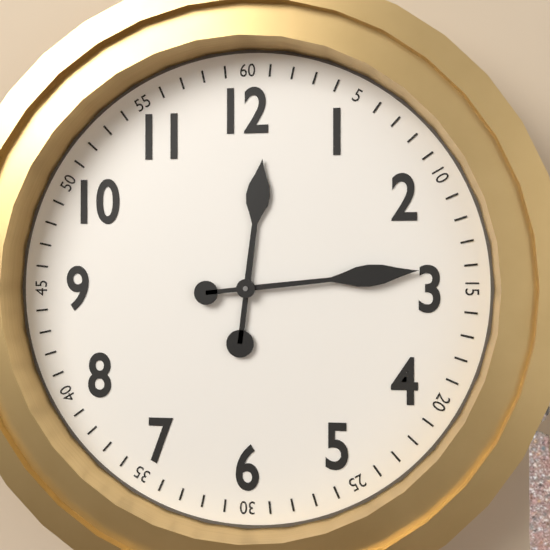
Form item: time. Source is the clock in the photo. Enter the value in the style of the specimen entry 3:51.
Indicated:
12:14
